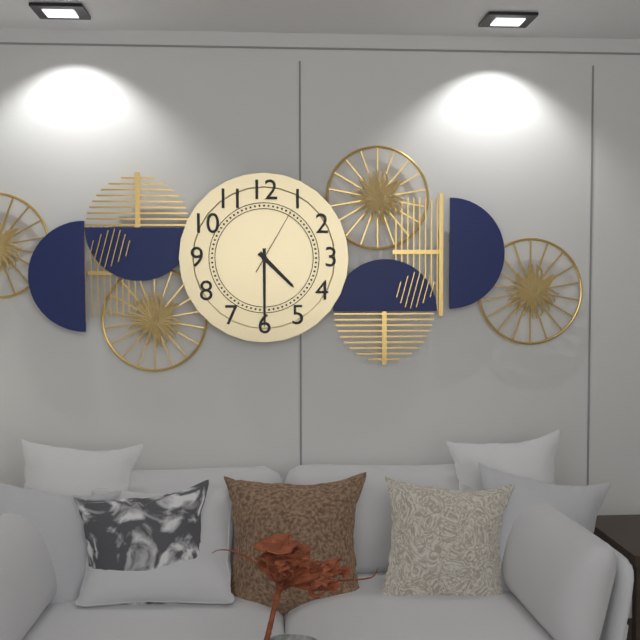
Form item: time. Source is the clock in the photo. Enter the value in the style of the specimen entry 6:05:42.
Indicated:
4:30:05
